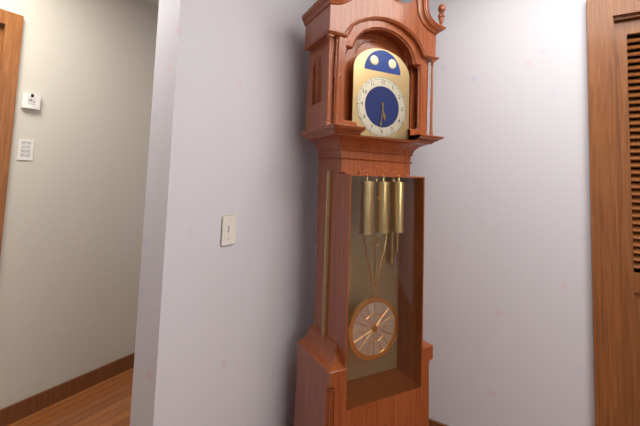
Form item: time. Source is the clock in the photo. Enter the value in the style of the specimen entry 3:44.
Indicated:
5:31
